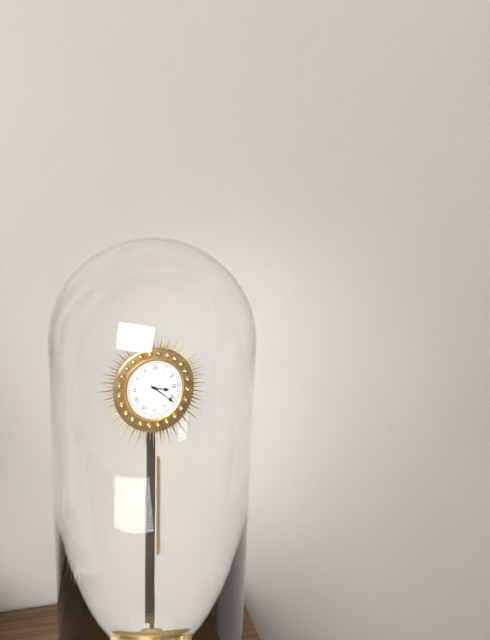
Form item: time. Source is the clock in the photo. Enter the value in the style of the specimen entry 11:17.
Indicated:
3:21
